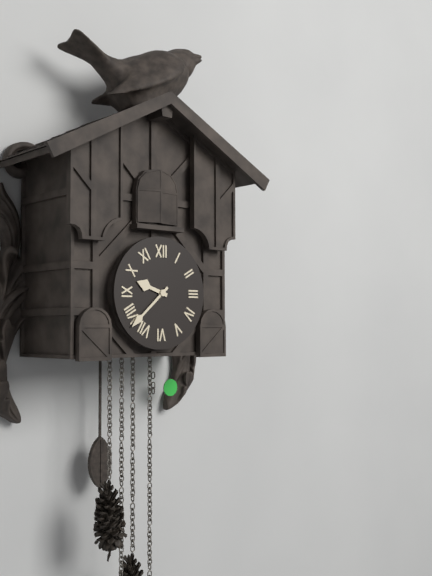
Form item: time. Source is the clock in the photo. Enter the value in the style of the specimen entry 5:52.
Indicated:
9:38
